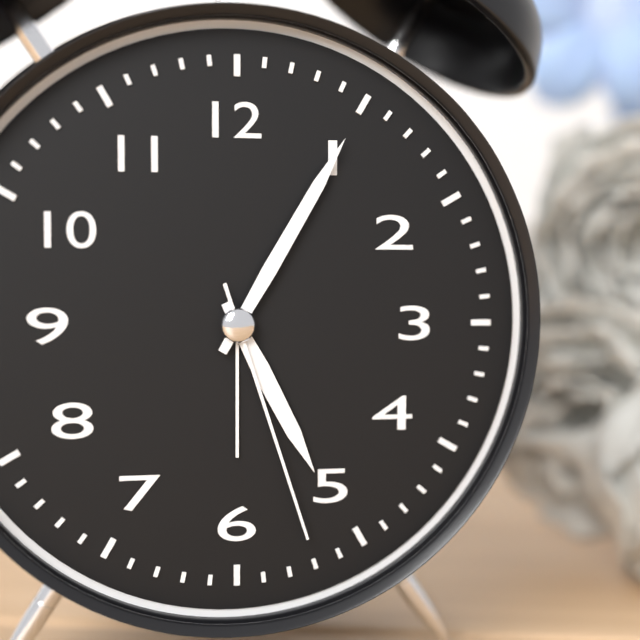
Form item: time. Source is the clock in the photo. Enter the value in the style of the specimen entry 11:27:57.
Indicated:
5:05:27
